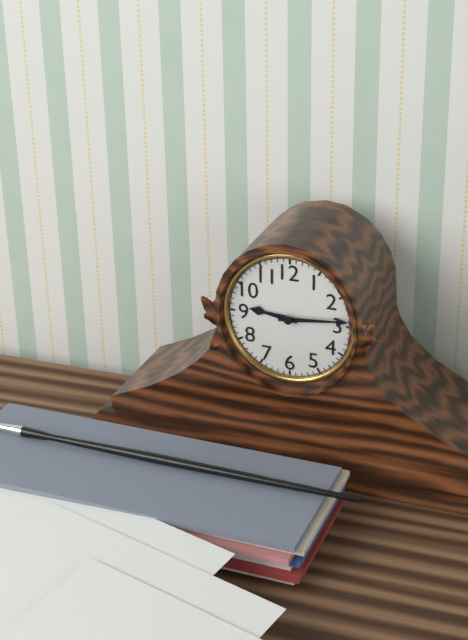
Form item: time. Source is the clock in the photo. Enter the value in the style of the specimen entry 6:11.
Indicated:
9:14
